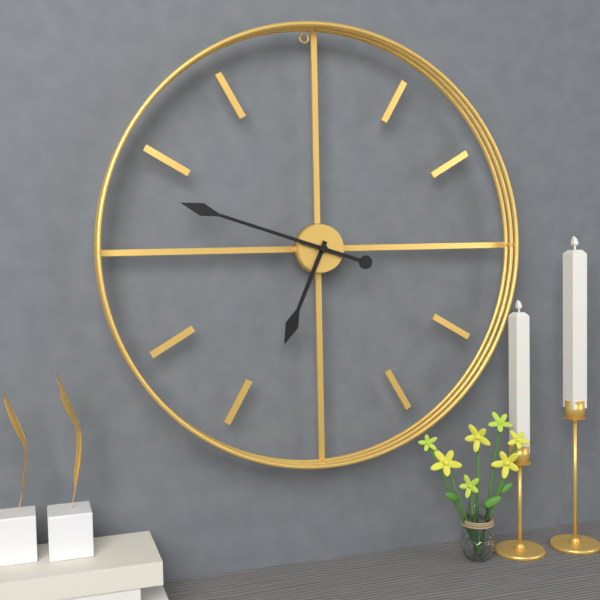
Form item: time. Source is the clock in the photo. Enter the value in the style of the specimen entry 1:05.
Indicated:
6:48
